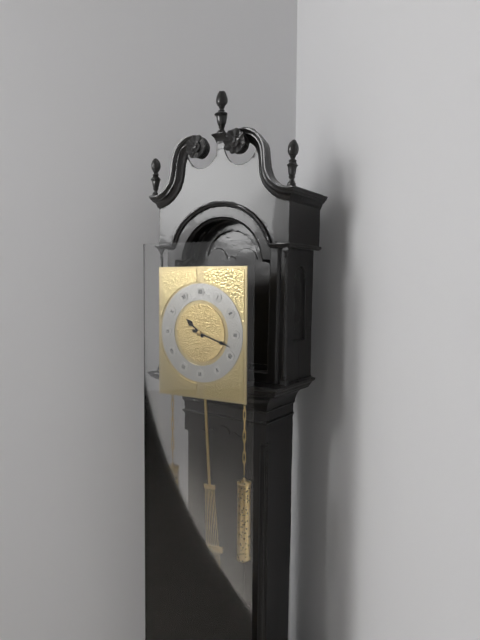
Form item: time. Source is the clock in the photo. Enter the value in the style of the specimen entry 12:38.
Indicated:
10:18
